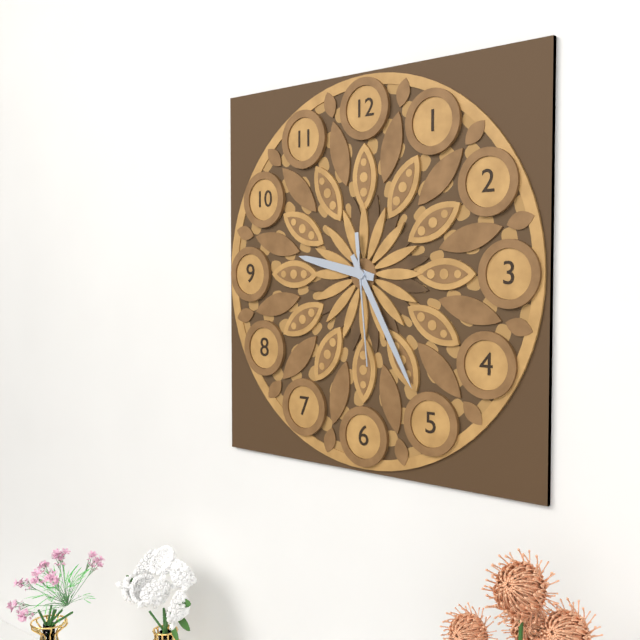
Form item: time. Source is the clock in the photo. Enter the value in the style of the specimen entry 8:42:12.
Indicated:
9:25:29
